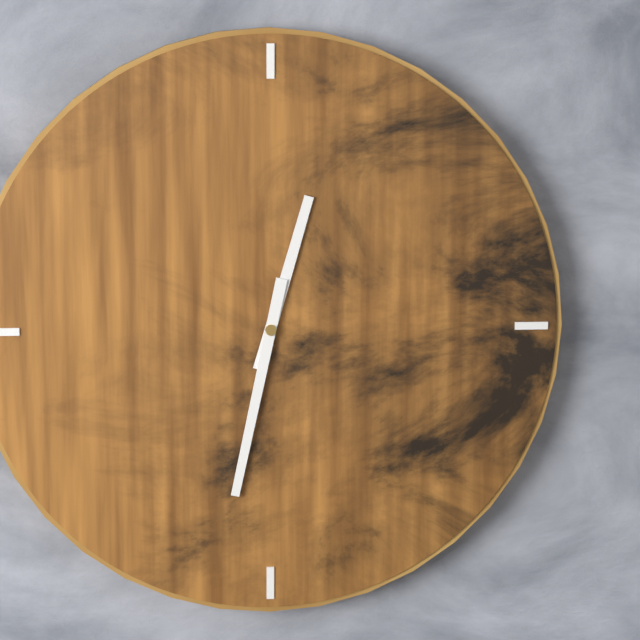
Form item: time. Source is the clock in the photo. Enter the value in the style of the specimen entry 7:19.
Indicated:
12:32
